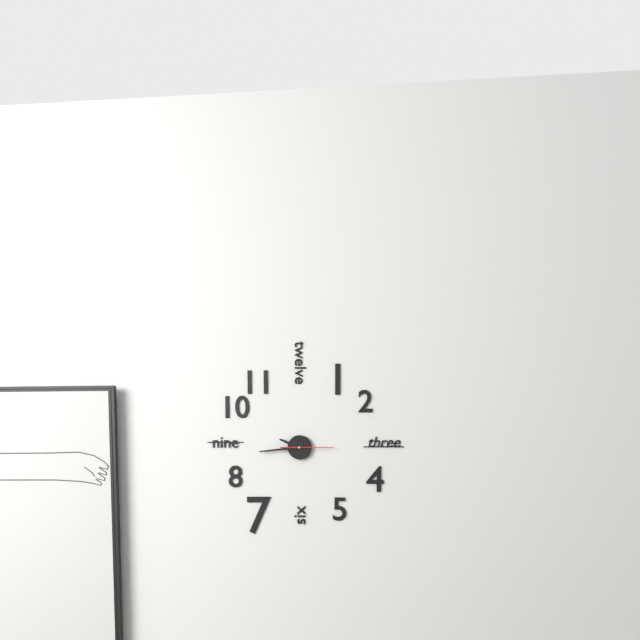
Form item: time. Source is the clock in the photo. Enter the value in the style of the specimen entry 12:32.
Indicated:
9:44
